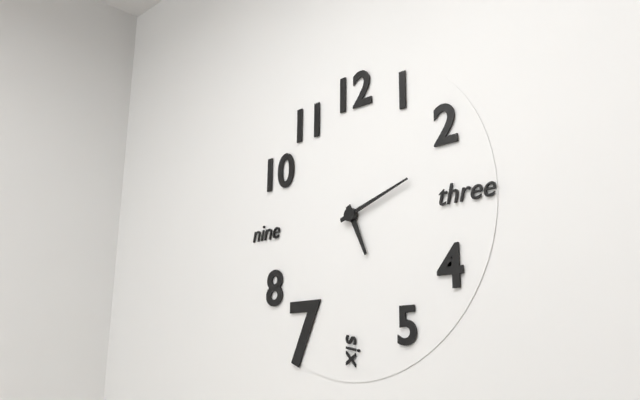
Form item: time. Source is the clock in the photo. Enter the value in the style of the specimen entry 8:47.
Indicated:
5:12
